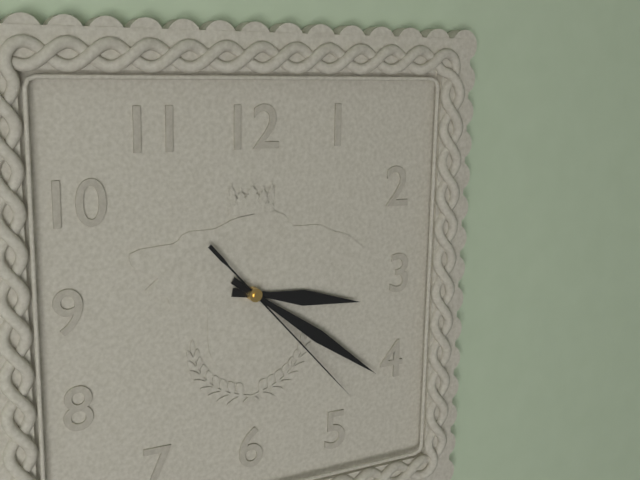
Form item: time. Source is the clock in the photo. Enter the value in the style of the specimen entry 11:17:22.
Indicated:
3:21:23
